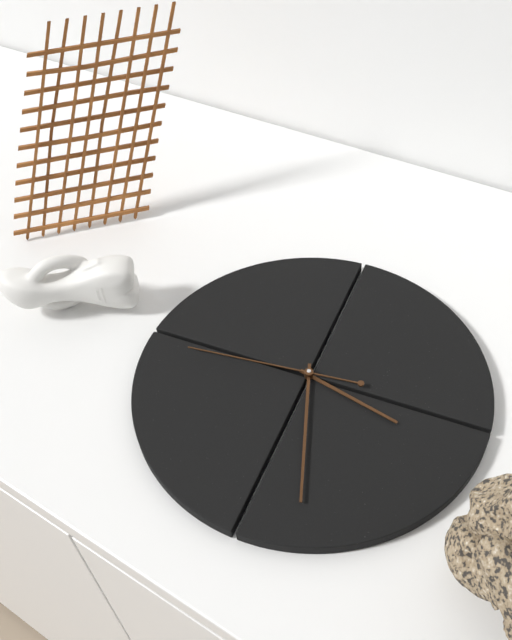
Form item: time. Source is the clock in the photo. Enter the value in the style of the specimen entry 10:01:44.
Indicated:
3:27:44
